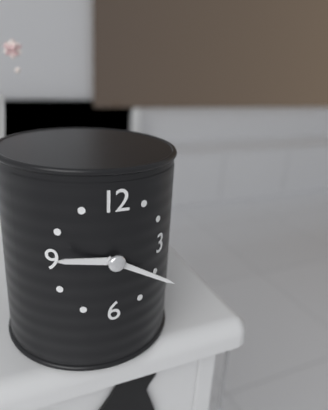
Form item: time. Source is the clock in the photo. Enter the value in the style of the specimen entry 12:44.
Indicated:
9:20
